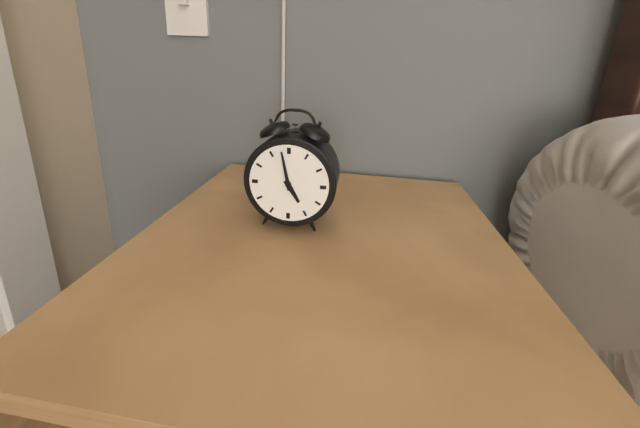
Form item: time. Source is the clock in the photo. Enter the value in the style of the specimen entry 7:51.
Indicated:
4:58
